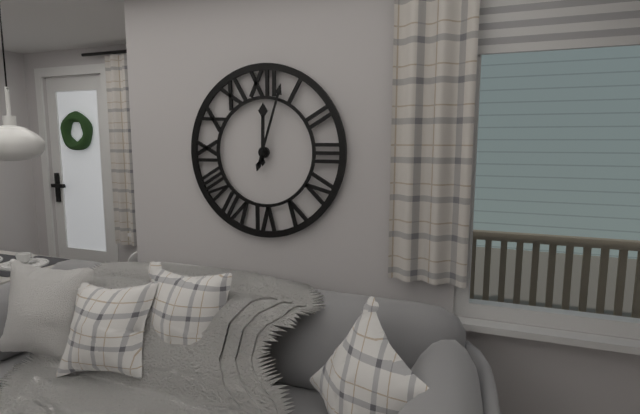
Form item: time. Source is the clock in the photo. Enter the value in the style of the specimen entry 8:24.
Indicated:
12:03
